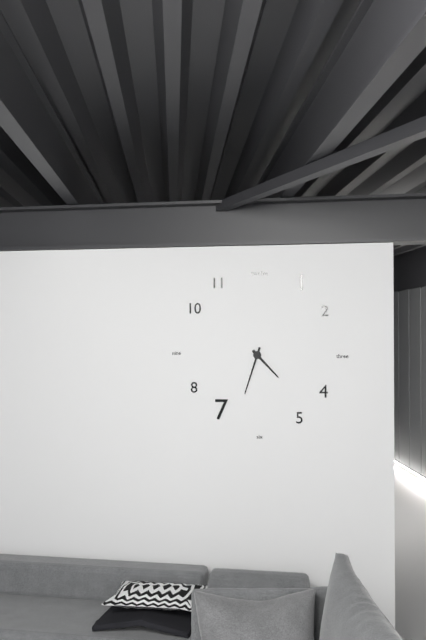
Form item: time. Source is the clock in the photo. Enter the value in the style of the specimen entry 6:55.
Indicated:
4:33
